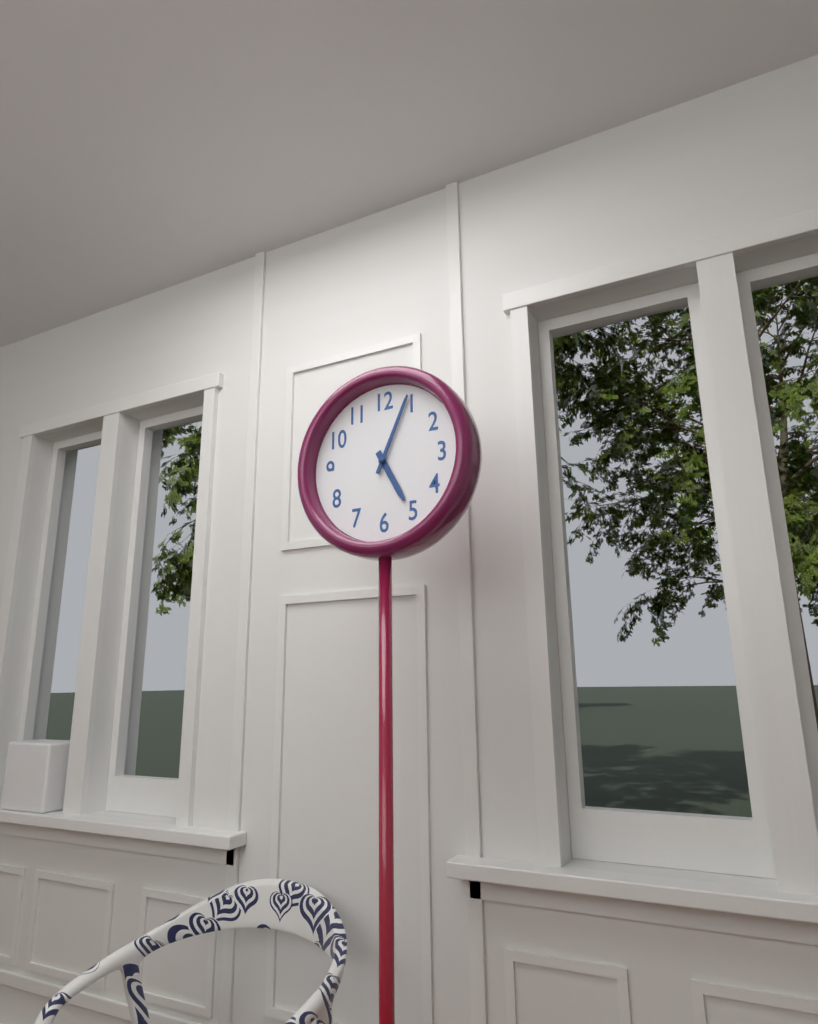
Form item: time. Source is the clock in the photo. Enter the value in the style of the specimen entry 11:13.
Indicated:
5:04
